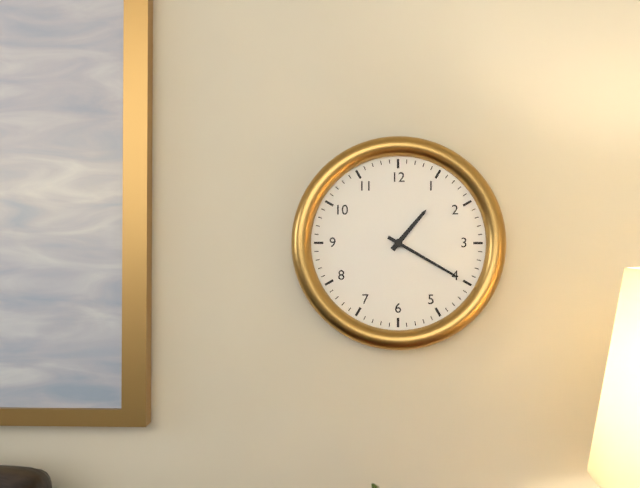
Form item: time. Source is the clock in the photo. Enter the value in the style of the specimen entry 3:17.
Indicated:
1:20
